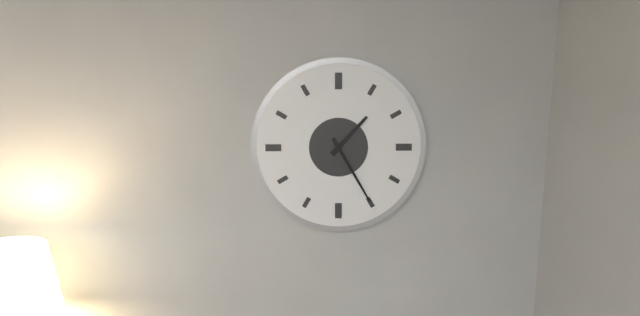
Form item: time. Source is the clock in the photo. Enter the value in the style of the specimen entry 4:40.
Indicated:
1:25
